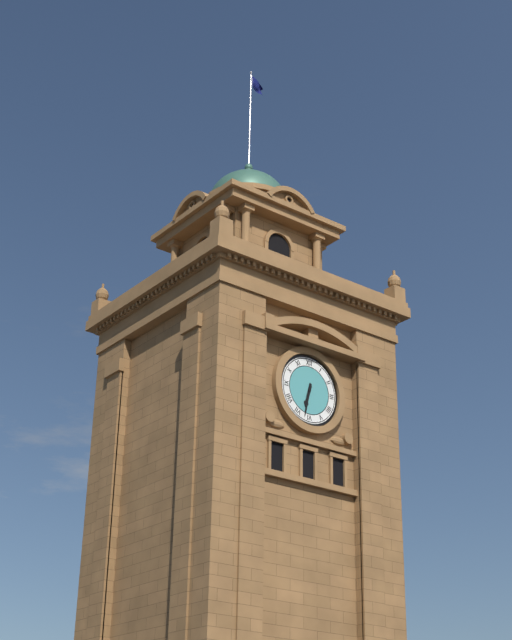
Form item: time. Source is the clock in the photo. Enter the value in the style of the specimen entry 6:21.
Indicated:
6:32
